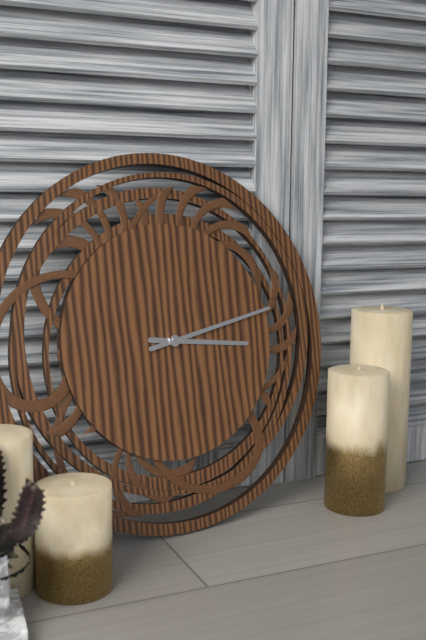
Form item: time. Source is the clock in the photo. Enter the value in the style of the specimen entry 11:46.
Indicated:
3:13
